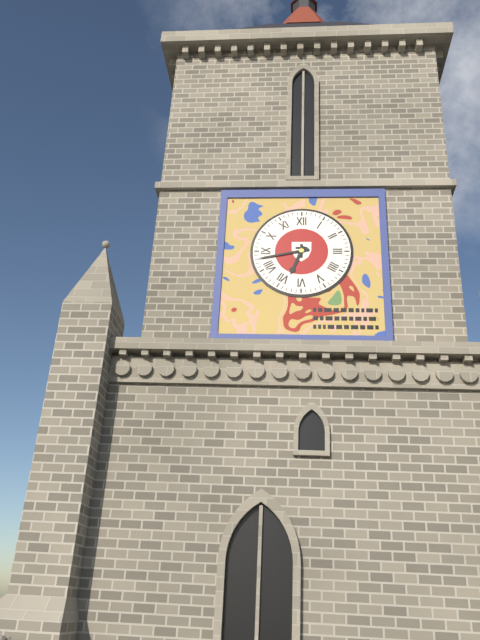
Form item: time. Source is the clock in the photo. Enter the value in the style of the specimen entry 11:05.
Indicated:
6:43
